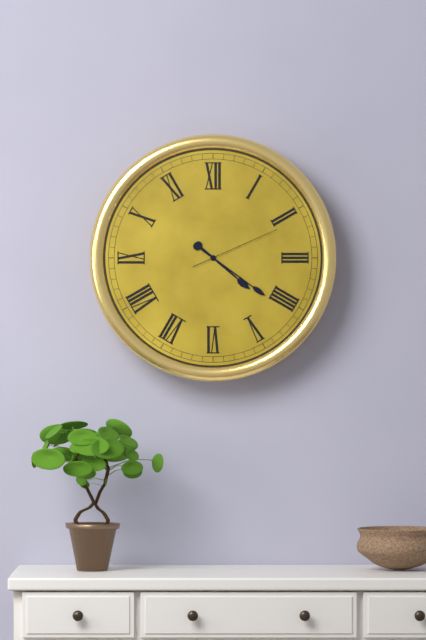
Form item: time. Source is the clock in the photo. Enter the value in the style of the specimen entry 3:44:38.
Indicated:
4:21:11
